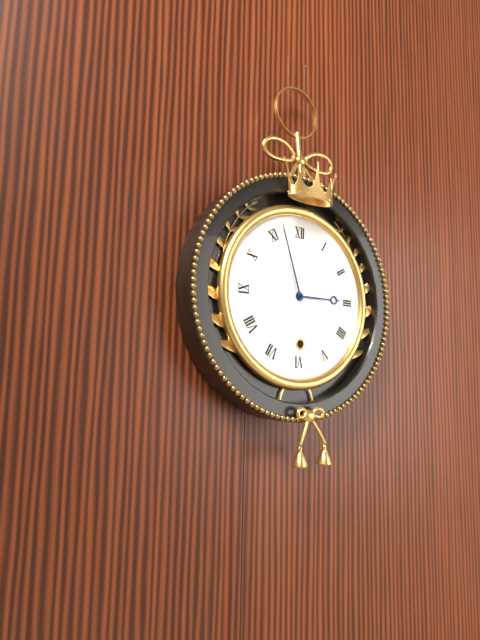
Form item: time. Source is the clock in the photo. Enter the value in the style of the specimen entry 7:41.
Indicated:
2:57
